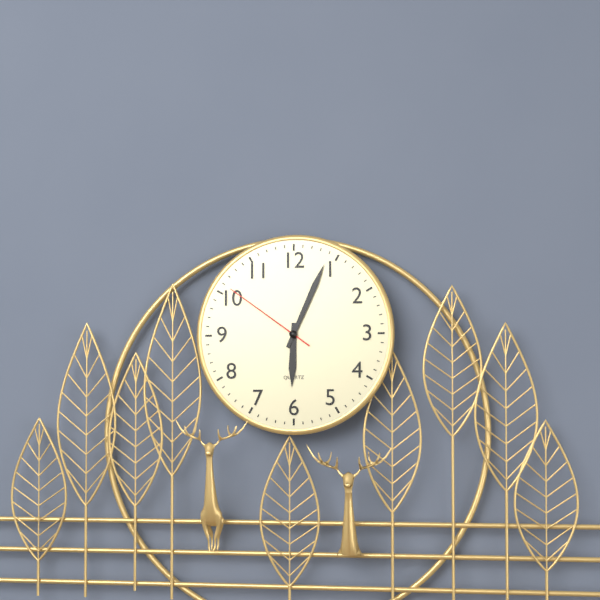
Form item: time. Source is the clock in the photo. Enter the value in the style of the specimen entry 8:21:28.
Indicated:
6:04:51
